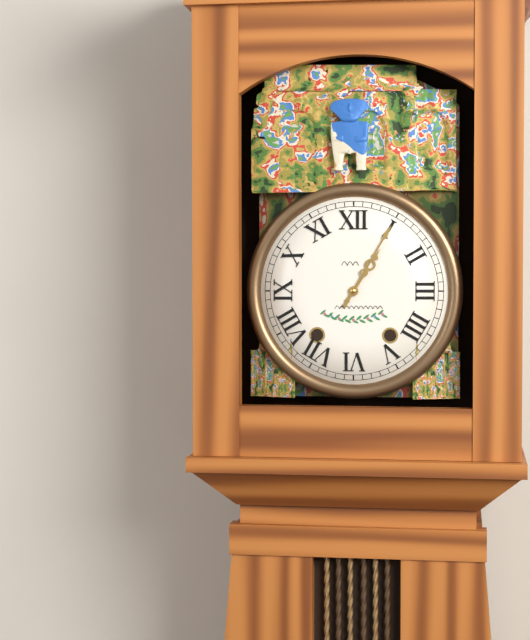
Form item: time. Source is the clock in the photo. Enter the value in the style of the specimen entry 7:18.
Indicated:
1:05
